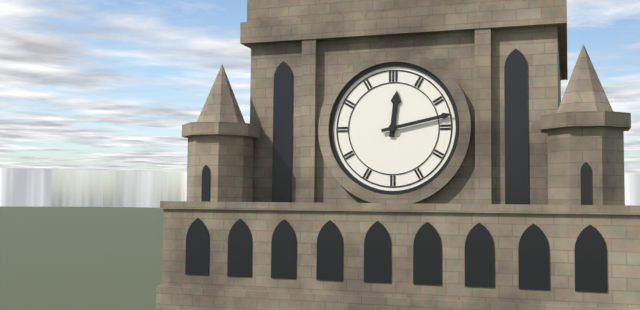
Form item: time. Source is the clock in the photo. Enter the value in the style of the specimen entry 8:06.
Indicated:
12:13
